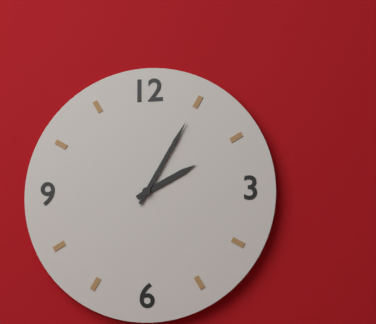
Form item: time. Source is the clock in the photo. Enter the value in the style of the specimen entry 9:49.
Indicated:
2:05
